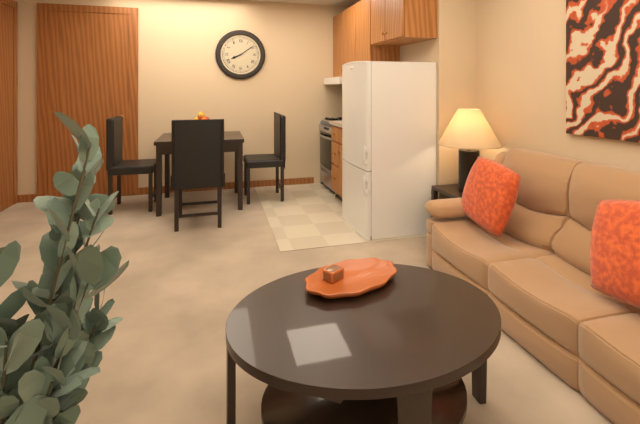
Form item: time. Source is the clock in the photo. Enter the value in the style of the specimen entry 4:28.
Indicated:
8:09
